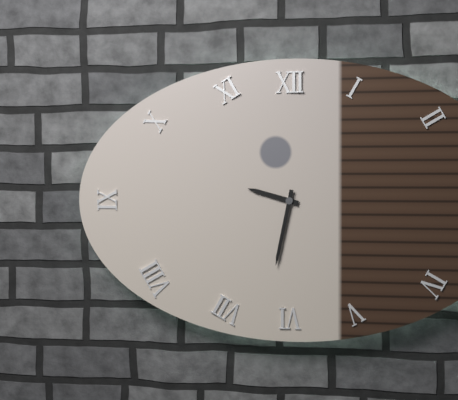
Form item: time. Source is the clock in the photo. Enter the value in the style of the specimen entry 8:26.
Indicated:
9:32
